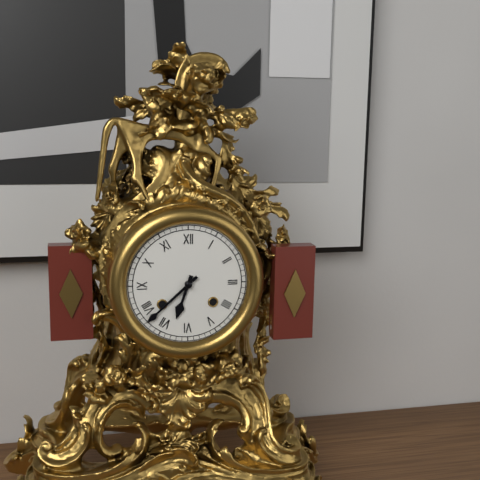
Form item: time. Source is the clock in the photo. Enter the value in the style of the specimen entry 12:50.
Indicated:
6:38
